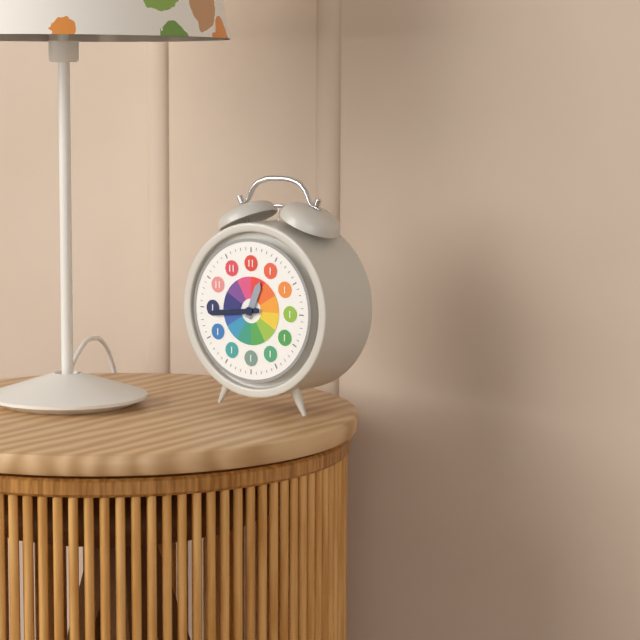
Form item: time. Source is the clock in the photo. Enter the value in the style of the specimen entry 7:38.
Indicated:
12:44
